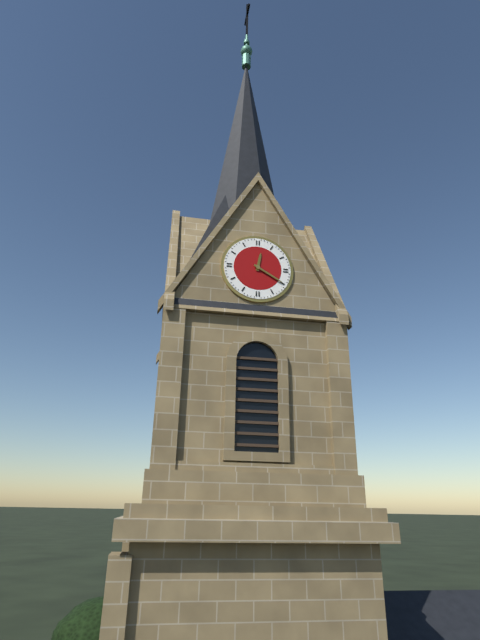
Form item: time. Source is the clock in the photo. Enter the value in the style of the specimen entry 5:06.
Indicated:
12:20
